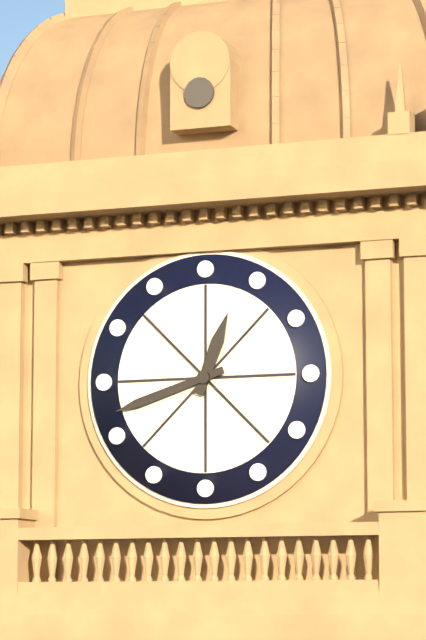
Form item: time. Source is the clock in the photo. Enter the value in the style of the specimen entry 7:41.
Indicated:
12:42
